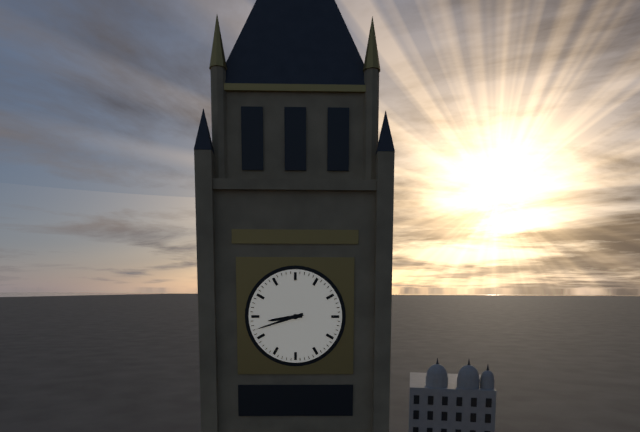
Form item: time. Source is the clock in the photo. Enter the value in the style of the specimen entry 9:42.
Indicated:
8:42
